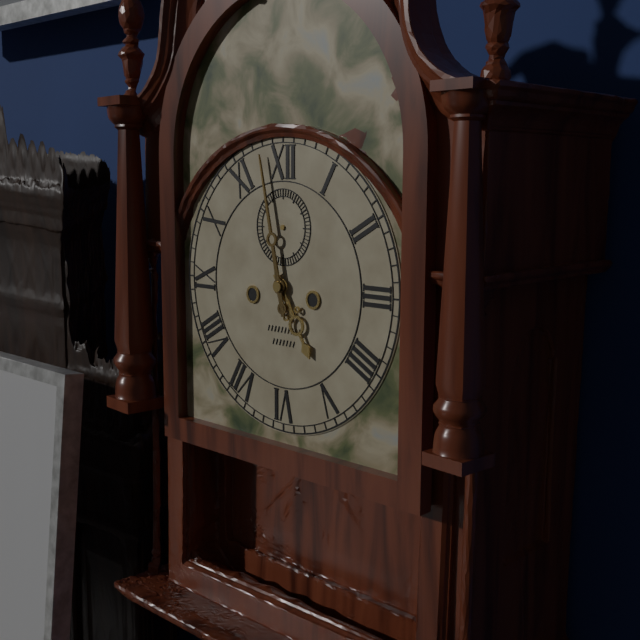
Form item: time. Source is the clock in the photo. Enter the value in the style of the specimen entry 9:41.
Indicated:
4:58
